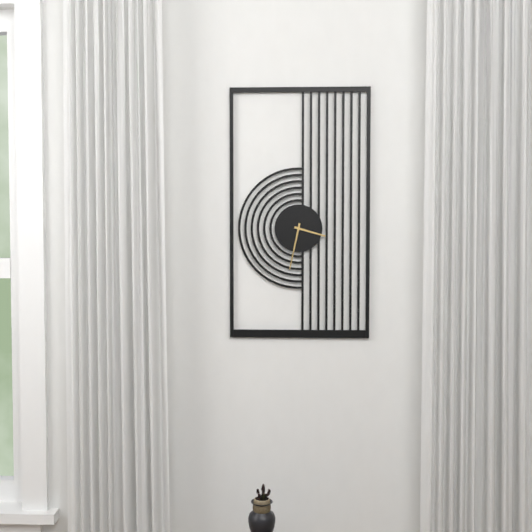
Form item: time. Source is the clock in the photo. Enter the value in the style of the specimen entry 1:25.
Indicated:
3:32
